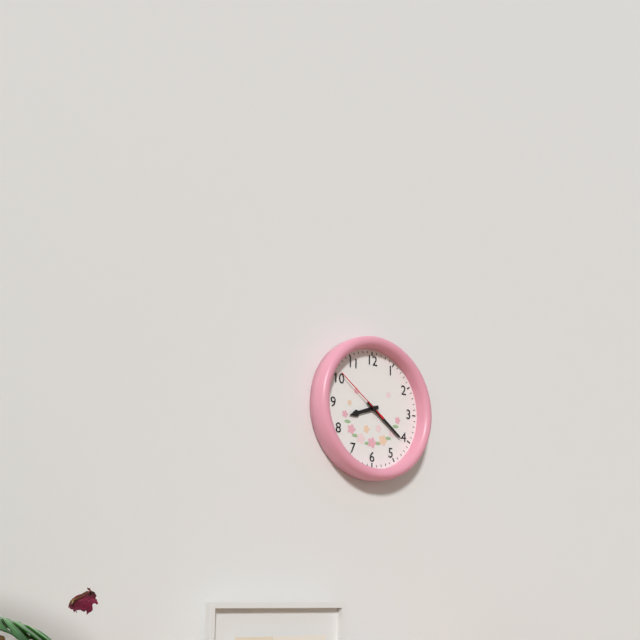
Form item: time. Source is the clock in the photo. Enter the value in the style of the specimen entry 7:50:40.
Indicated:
8:21:51
